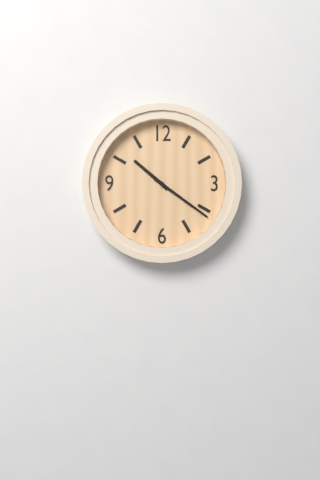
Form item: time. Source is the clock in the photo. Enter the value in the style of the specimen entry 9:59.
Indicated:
10:21
